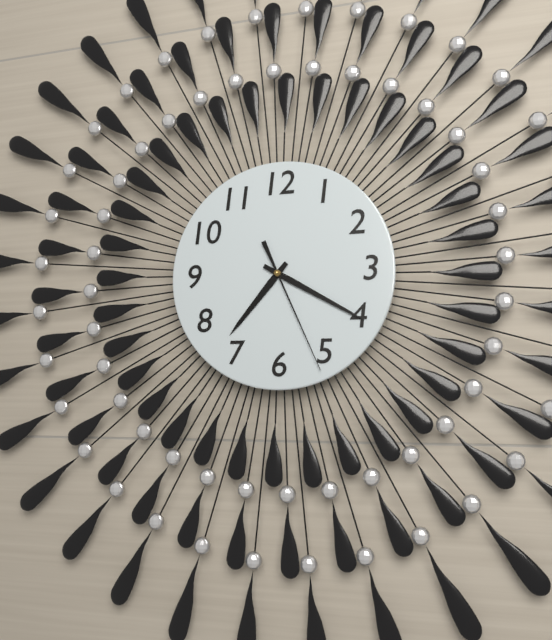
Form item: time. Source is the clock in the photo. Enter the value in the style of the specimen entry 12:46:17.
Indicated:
7:20:26
